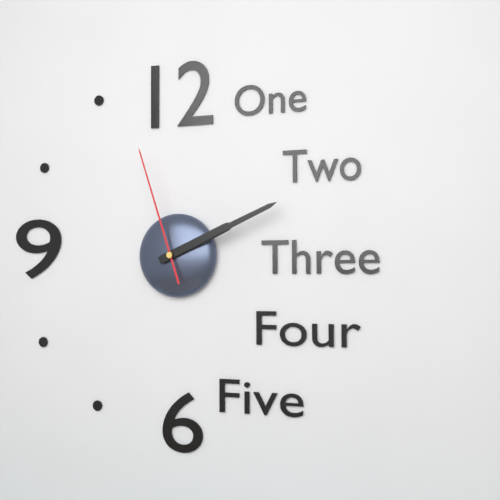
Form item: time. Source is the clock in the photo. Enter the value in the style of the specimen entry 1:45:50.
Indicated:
2:11:57
